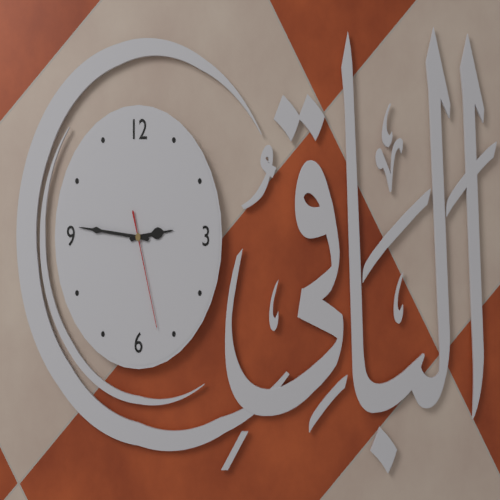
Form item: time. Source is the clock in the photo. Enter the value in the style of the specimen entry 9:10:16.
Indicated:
2:46:27
